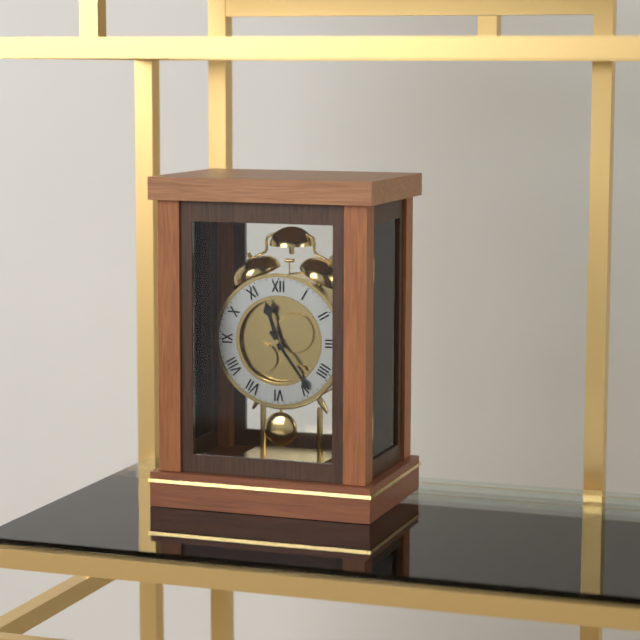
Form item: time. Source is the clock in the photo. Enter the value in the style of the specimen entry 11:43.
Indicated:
11:24
